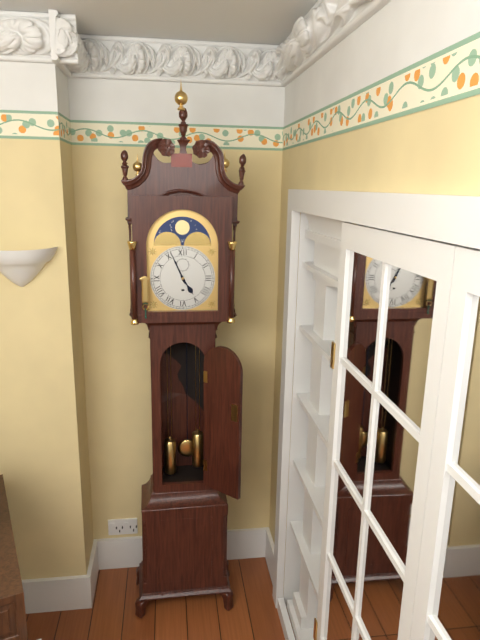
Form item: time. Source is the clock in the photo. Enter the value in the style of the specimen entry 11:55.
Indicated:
4:56
